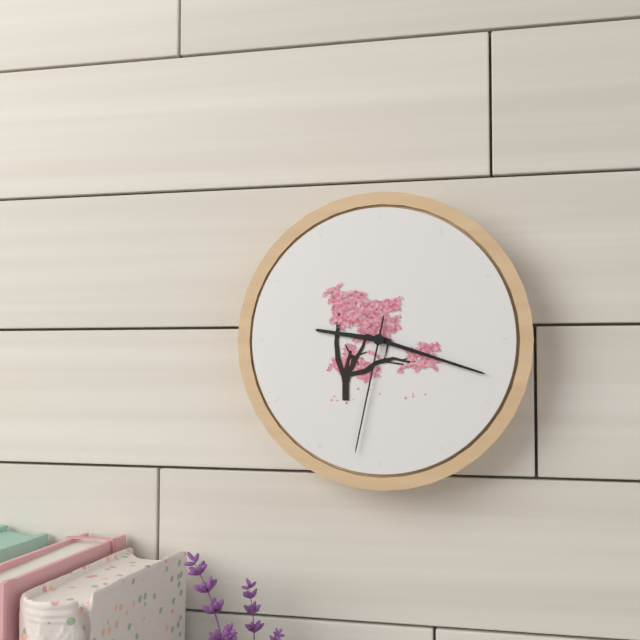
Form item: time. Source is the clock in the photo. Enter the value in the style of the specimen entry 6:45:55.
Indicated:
9:18:32
